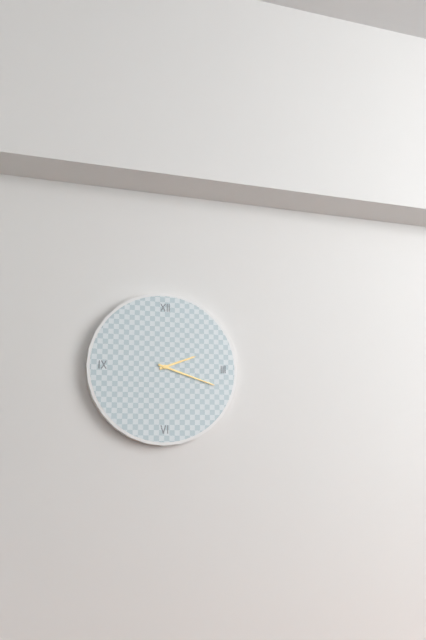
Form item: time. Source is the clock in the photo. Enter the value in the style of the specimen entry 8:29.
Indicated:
2:18
